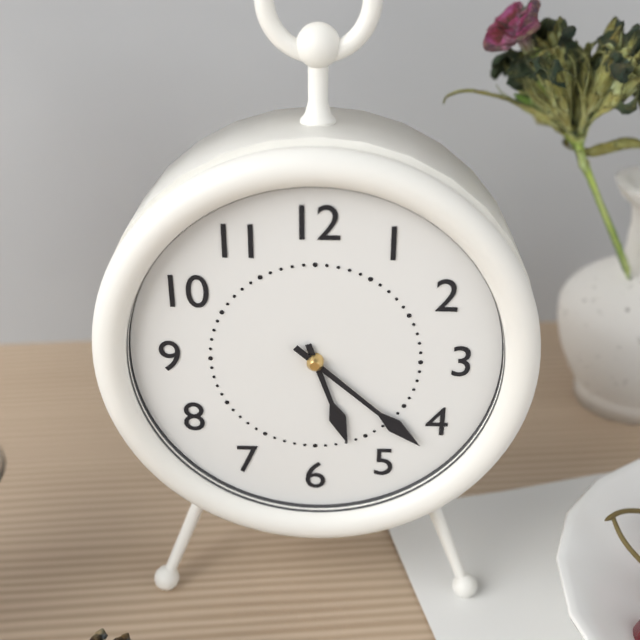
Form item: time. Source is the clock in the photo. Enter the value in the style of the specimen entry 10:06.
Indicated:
5:22
